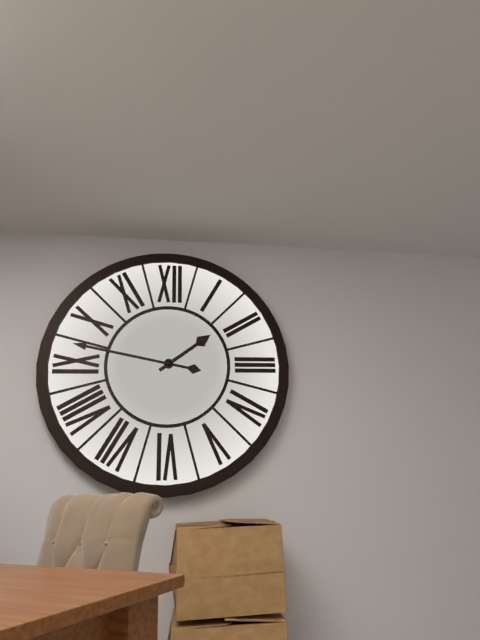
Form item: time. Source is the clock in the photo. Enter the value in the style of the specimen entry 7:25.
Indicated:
1:47
